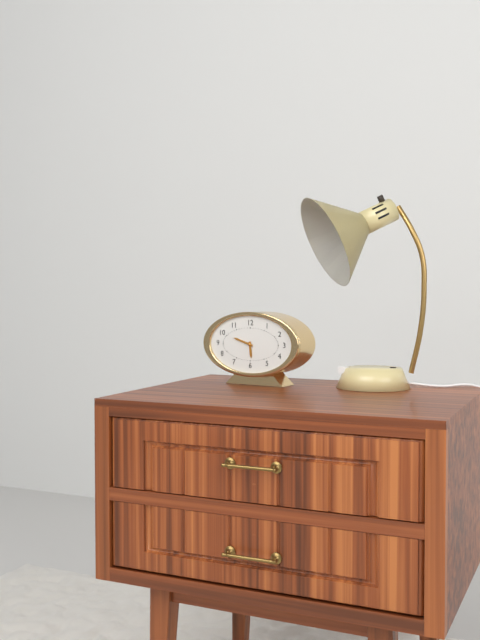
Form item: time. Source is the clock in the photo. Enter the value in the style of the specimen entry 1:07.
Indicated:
5:48
